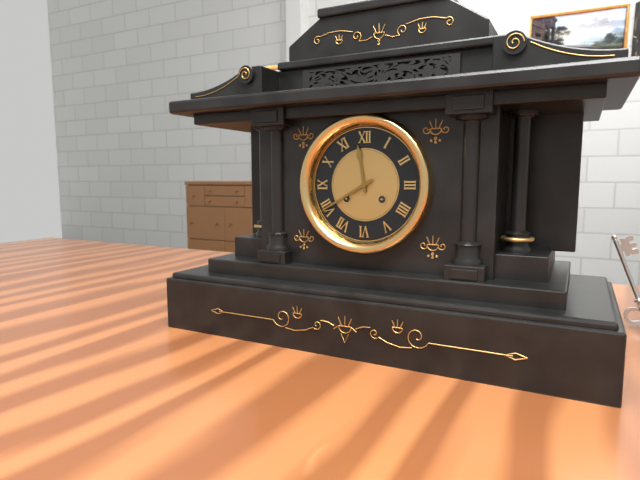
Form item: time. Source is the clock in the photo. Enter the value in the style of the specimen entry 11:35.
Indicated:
11:40
